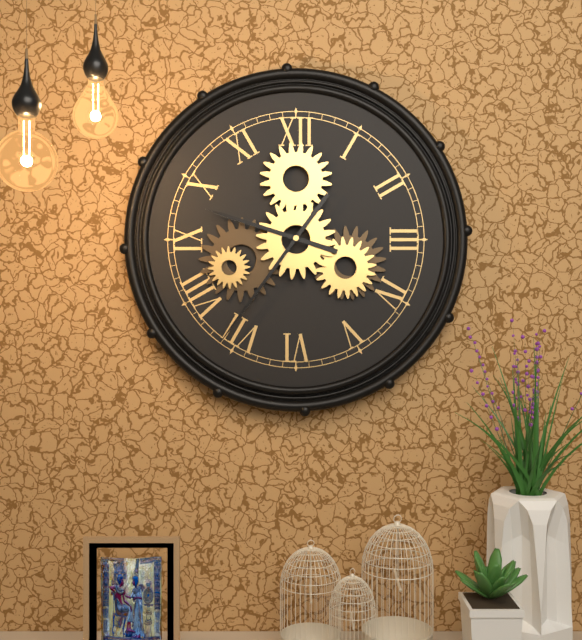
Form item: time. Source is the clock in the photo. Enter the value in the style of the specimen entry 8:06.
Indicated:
9:36
